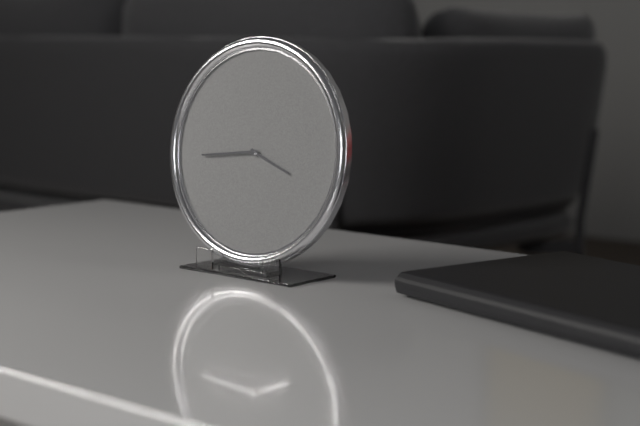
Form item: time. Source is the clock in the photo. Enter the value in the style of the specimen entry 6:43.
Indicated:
3:44
